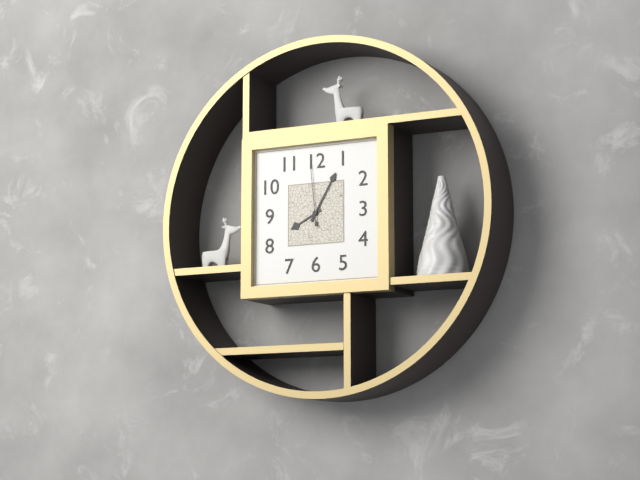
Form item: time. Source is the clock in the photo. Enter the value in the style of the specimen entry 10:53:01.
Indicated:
8:05:59
